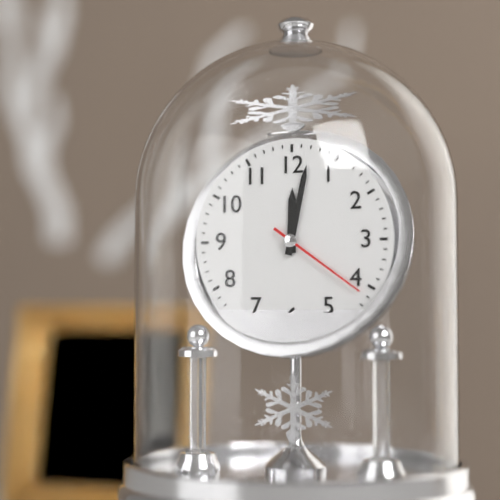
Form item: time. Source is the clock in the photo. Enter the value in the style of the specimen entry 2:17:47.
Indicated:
12:02:21
